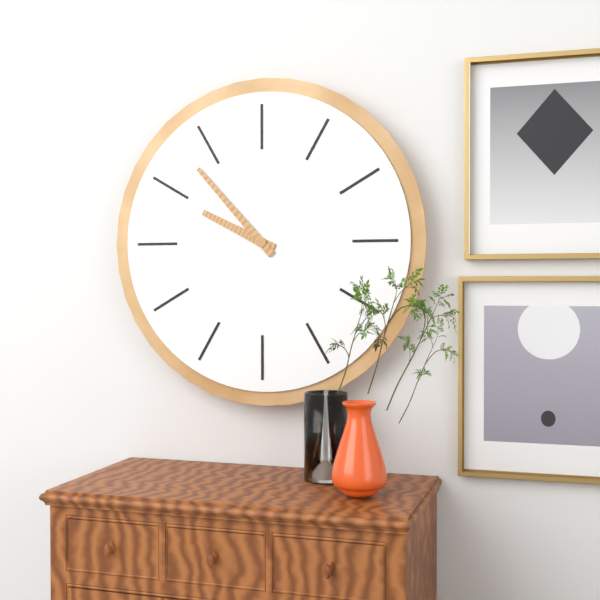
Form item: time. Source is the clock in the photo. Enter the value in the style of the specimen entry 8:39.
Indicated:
9:53
